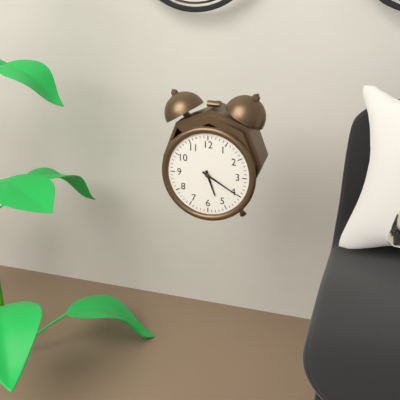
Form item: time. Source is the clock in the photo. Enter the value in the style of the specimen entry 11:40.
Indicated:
5:20
